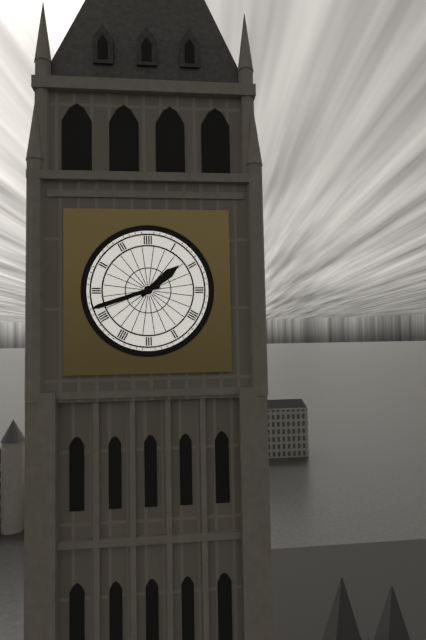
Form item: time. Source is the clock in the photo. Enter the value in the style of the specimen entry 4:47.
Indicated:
1:42
